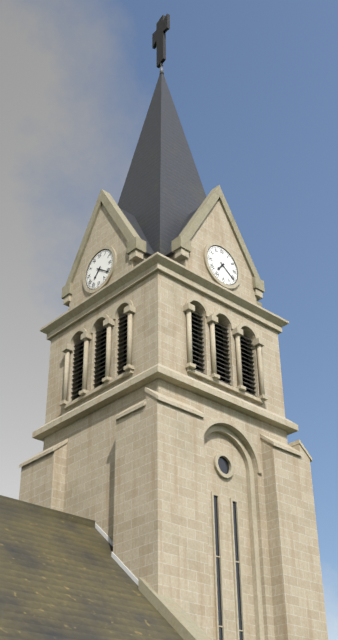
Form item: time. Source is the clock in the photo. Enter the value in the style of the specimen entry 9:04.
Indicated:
7:21
